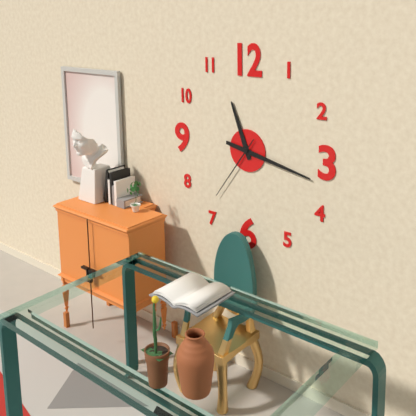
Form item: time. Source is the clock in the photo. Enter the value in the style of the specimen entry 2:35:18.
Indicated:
11:17:36
